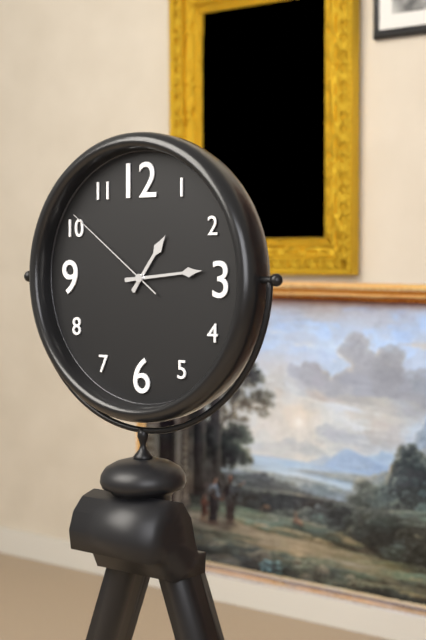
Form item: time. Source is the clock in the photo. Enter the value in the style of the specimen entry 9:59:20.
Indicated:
1:14:51
